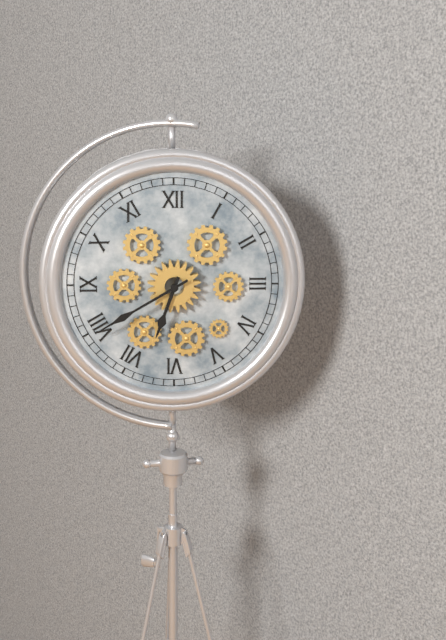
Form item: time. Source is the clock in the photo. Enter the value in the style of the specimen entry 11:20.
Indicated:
6:40
